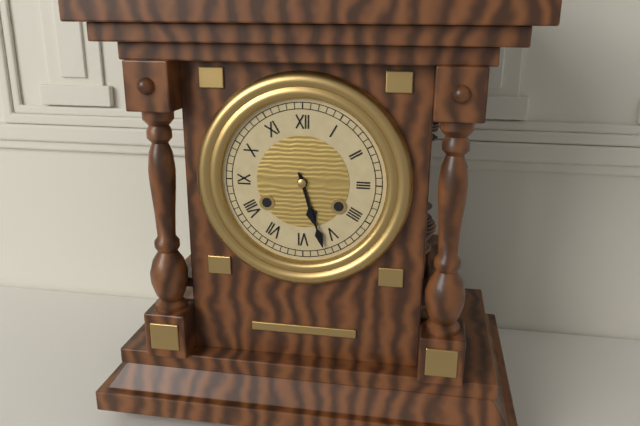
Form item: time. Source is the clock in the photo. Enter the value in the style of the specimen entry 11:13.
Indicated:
5:27
